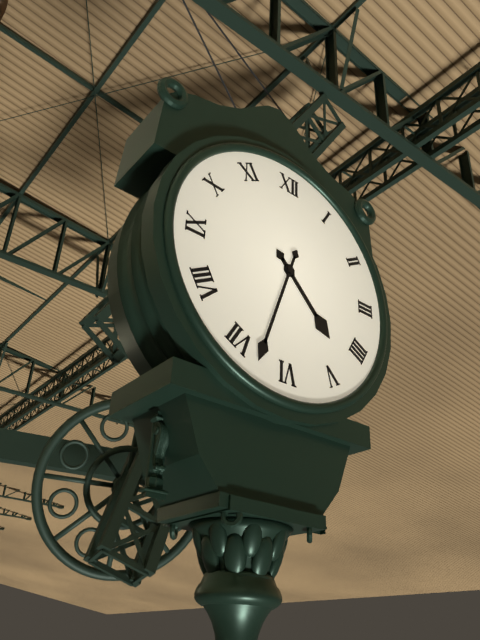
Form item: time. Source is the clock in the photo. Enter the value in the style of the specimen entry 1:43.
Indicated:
4:33
